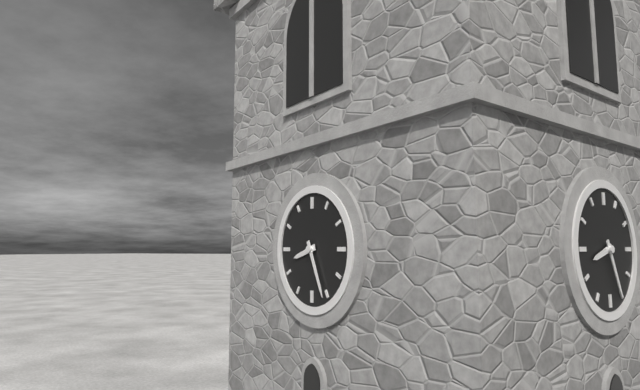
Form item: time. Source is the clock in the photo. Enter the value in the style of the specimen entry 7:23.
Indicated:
8:26
